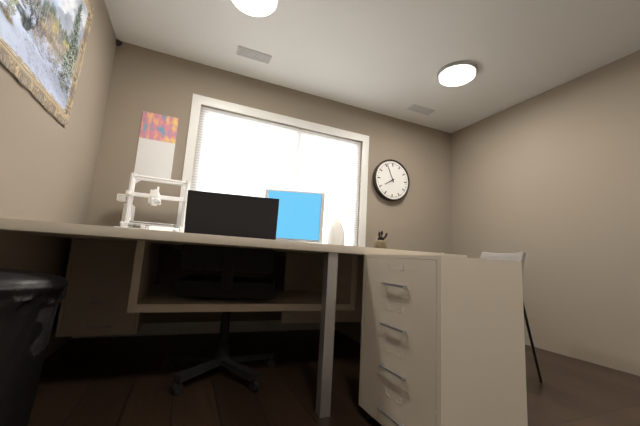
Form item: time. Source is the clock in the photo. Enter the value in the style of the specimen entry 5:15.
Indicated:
7:56
